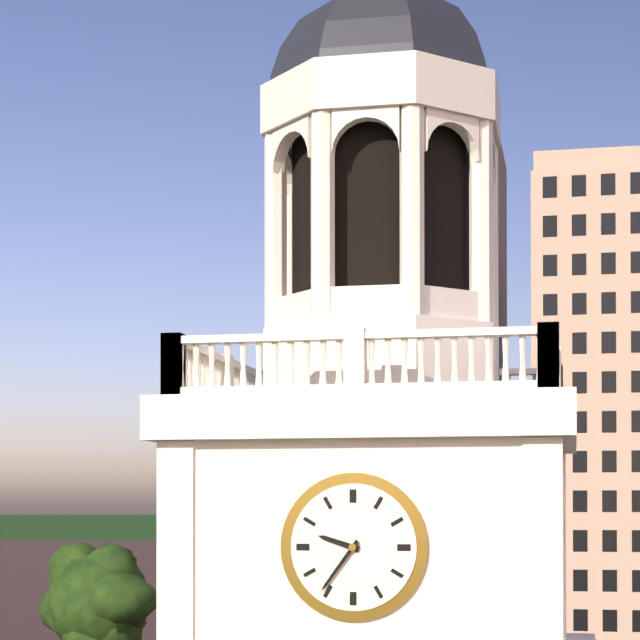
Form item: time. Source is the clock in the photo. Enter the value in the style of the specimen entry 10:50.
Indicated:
9:36
